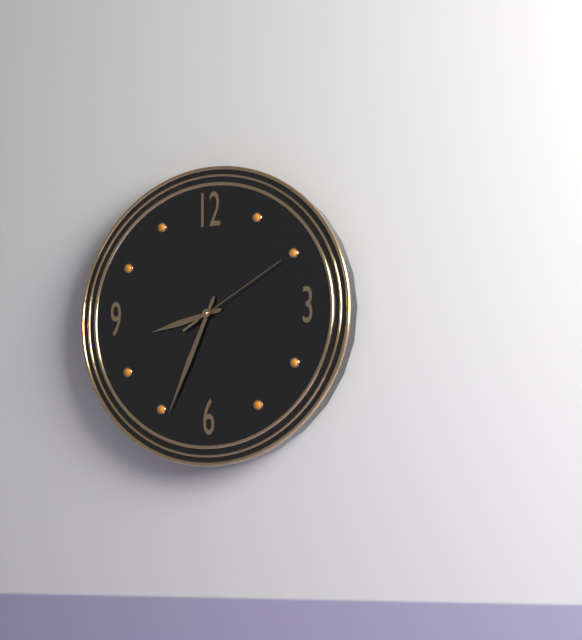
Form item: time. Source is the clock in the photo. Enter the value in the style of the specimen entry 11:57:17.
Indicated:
8:34:10
